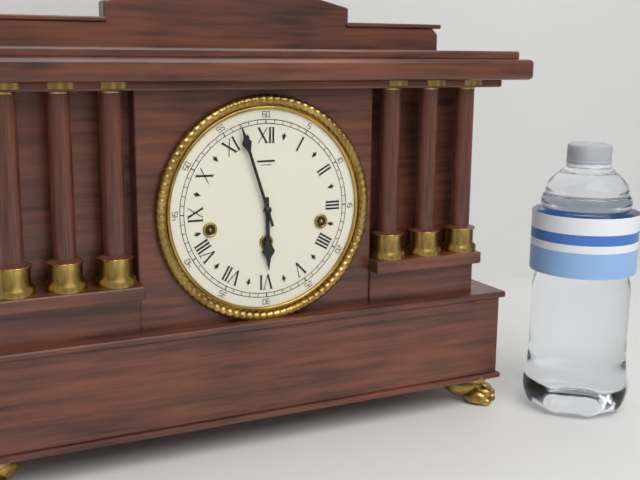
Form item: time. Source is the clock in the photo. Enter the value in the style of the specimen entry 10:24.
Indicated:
5:57
